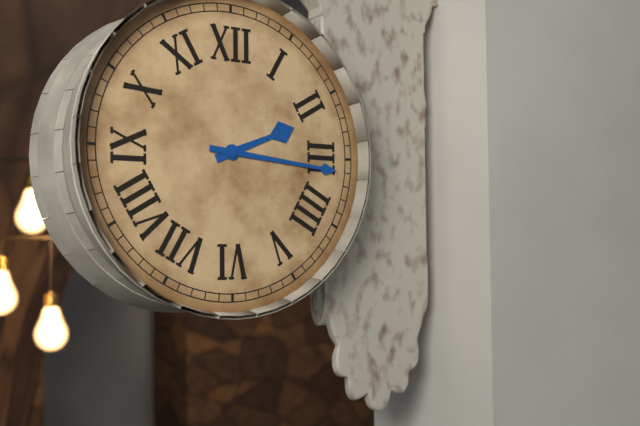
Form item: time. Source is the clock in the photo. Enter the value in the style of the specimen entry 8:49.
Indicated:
2:16
